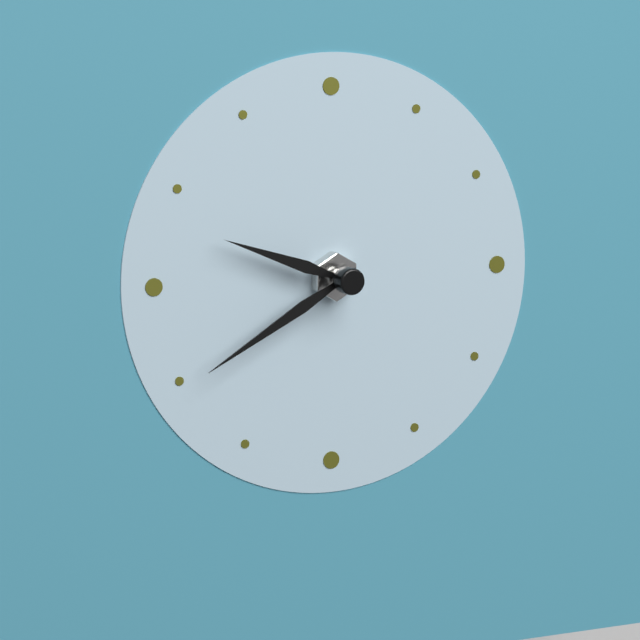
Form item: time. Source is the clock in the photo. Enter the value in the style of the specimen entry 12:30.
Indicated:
9:40
